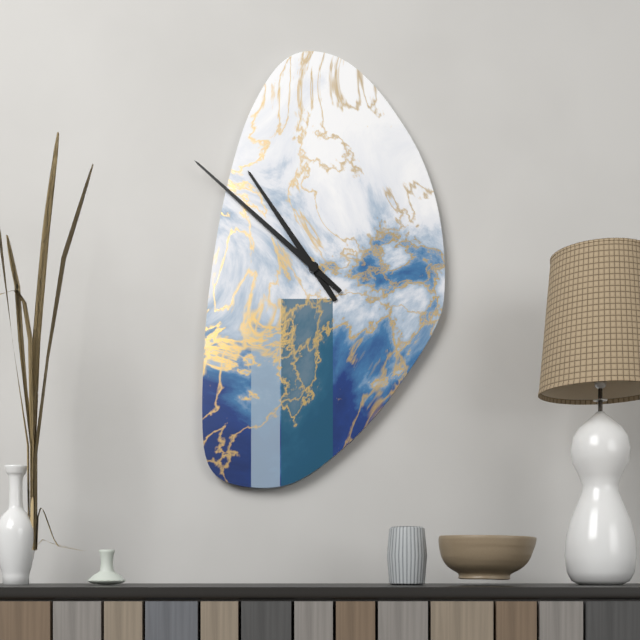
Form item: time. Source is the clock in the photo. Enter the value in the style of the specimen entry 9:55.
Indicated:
10:52
